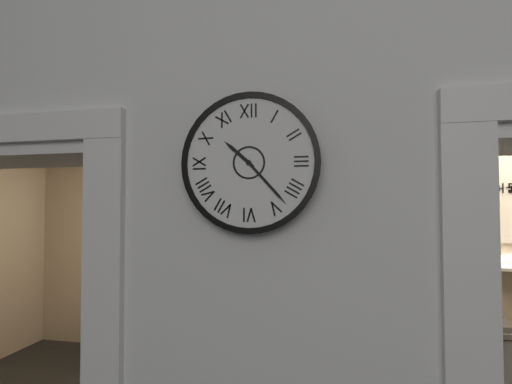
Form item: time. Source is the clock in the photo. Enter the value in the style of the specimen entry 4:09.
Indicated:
10:23
